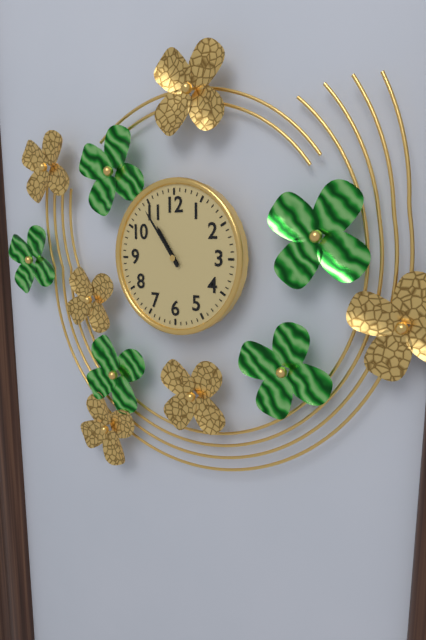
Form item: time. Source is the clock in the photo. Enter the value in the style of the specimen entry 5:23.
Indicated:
10:54
